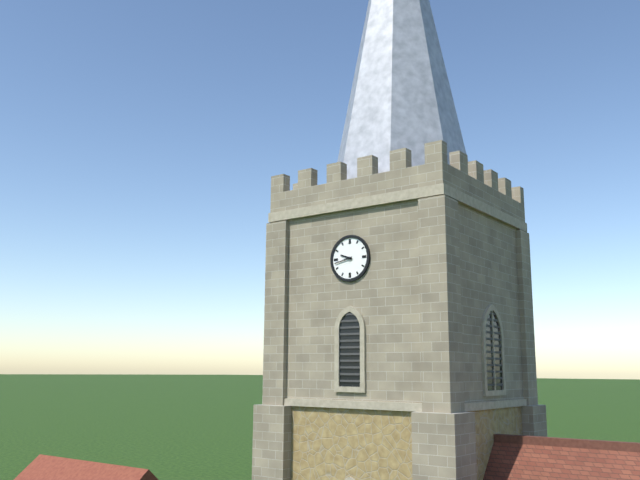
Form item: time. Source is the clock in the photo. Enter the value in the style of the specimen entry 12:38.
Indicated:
9:43
